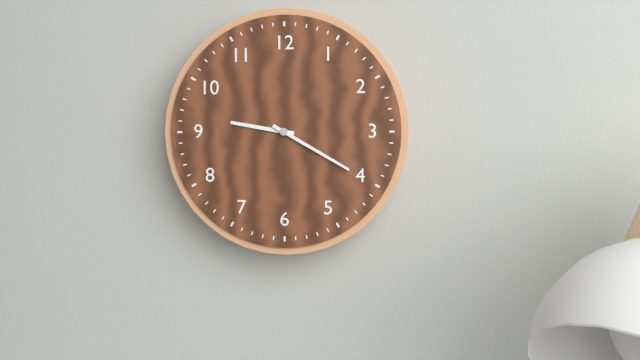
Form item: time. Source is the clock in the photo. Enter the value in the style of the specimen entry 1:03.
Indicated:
9:20
